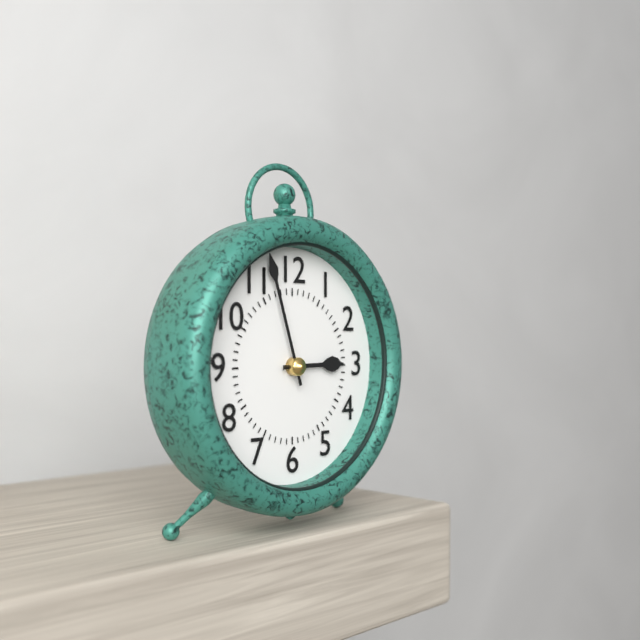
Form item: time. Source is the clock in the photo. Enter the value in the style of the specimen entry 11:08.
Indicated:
2:57
